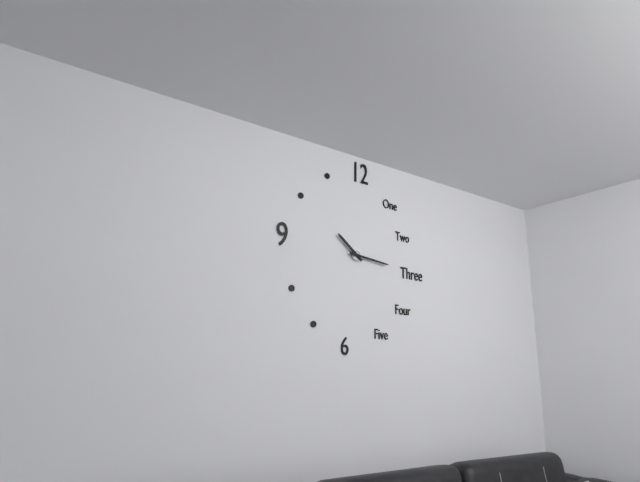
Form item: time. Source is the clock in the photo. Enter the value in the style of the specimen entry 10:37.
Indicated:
10:16
